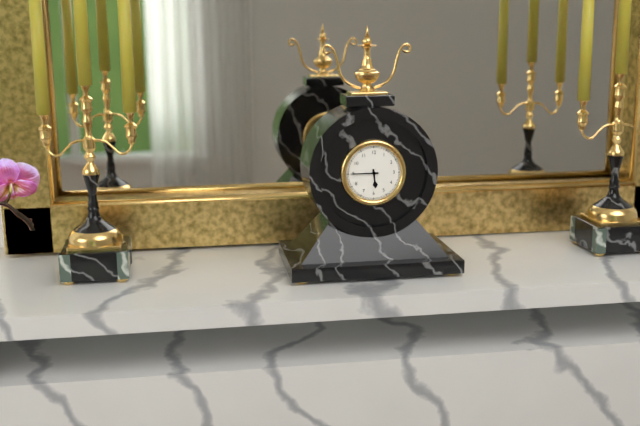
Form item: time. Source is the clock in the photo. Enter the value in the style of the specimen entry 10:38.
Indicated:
5:45
